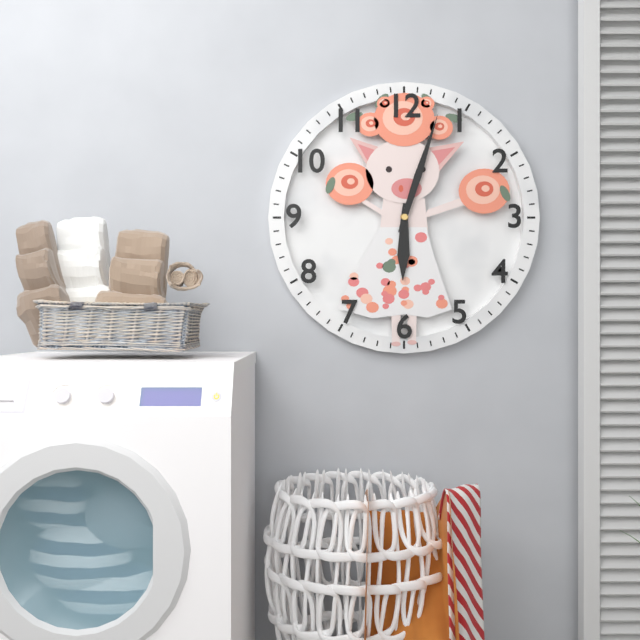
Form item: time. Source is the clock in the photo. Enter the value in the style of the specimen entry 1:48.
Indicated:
6:03
